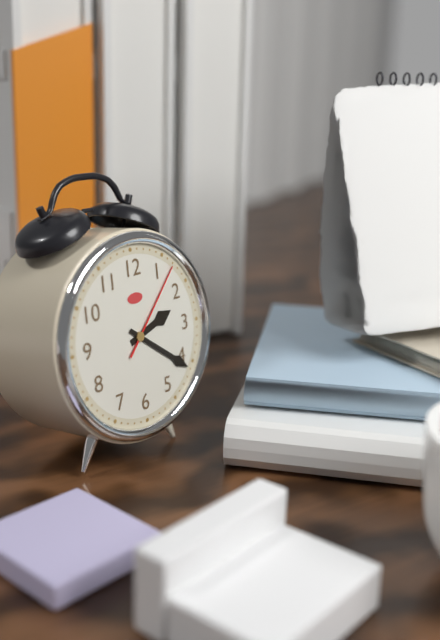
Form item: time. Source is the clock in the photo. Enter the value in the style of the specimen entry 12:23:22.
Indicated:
2:21:07
